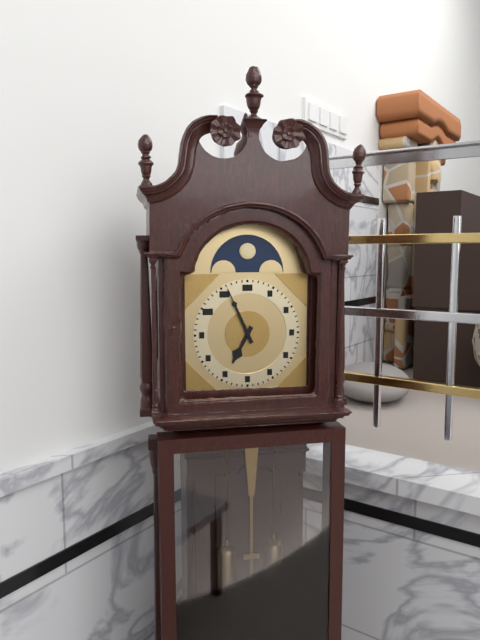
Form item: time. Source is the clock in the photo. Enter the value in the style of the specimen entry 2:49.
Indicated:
6:56
